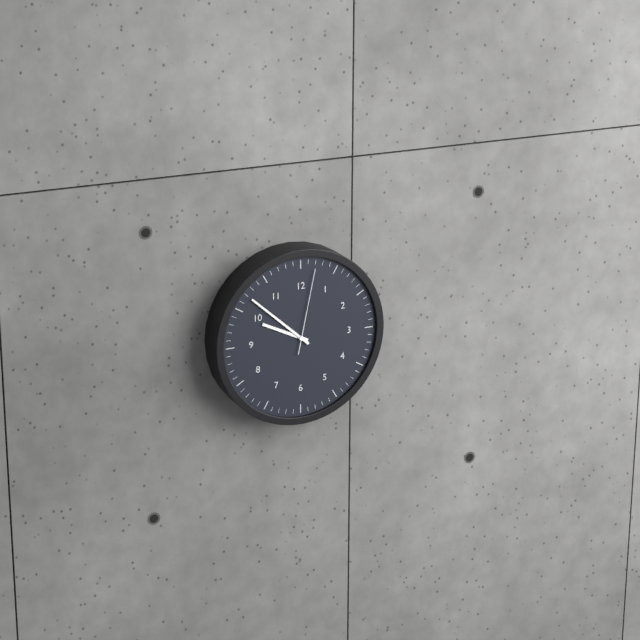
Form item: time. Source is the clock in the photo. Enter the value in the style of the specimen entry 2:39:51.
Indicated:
9:52:02
